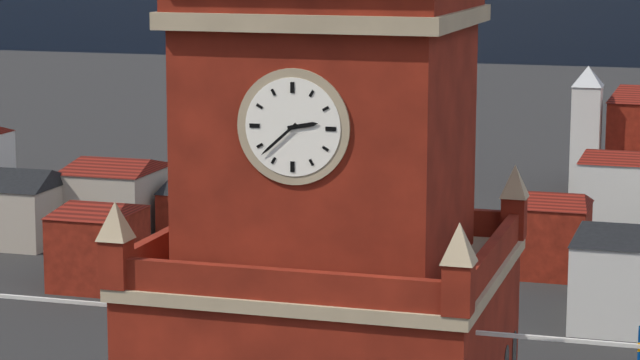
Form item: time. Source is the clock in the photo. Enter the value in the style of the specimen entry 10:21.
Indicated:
2:38
